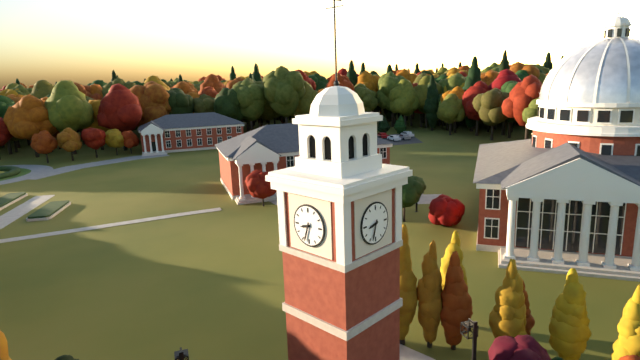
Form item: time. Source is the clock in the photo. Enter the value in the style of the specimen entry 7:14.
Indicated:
8:33
